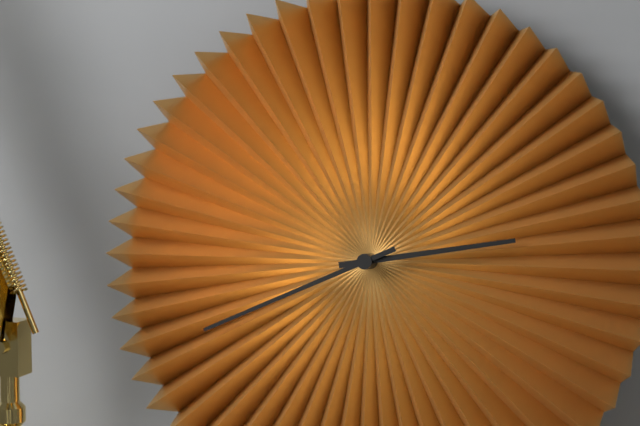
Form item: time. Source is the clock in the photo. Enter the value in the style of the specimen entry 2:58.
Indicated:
2:41
